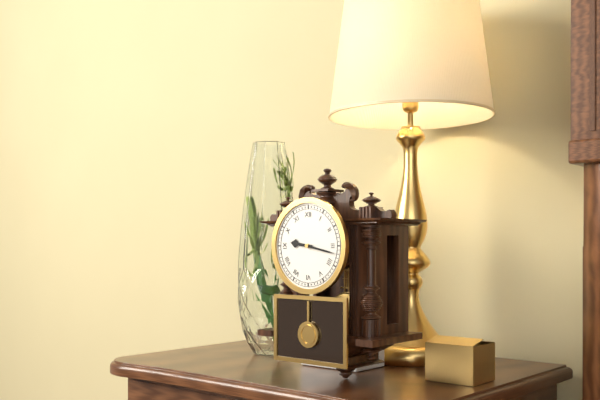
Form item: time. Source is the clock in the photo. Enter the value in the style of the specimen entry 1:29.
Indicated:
9:17
